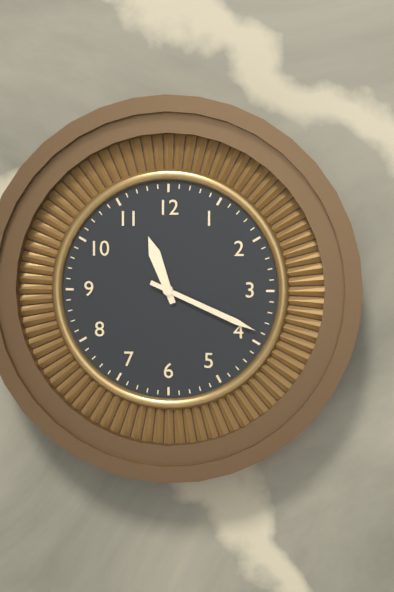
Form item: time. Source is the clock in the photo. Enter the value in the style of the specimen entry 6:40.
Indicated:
11:19
